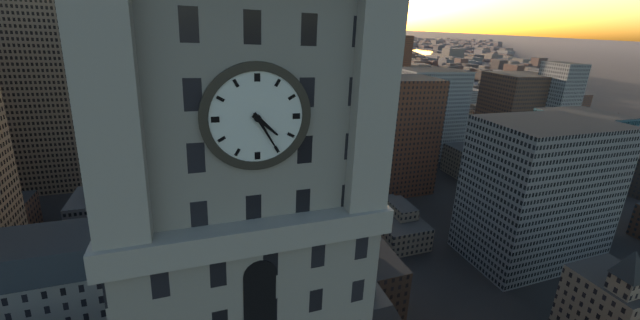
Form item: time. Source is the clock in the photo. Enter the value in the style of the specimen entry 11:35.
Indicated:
4:25
